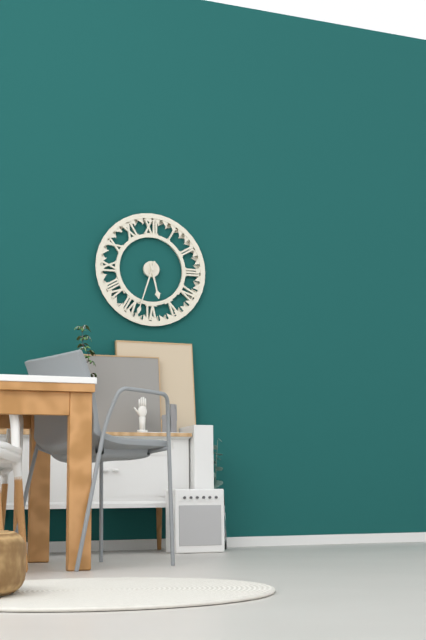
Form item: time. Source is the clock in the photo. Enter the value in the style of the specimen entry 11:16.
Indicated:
5:33
